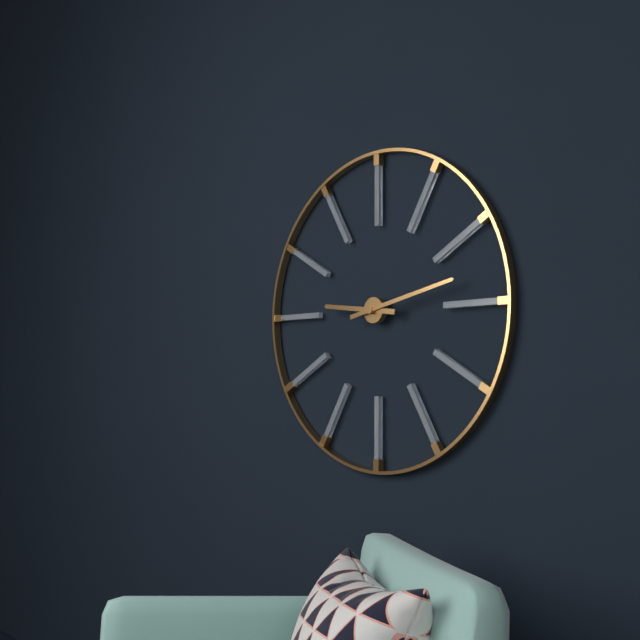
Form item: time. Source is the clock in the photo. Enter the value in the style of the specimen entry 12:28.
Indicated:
9:13
